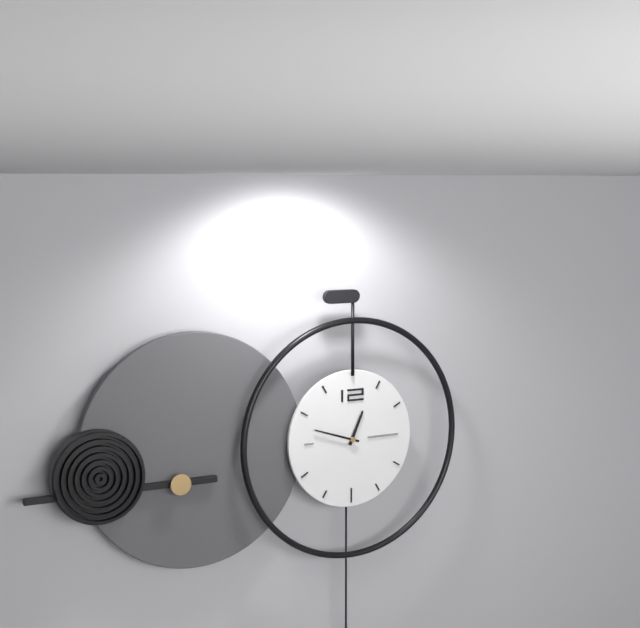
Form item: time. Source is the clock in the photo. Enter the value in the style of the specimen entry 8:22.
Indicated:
12:48
